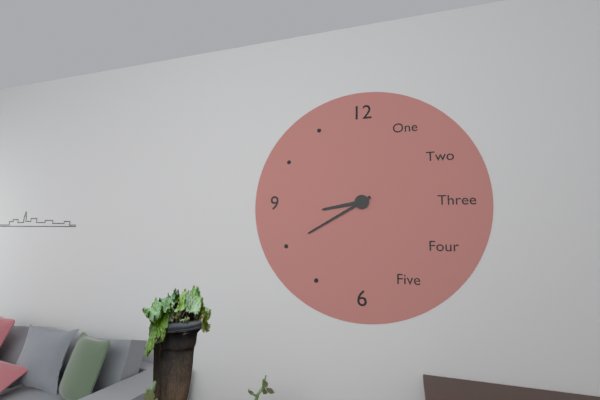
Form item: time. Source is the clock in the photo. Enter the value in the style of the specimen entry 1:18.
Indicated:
8:40
